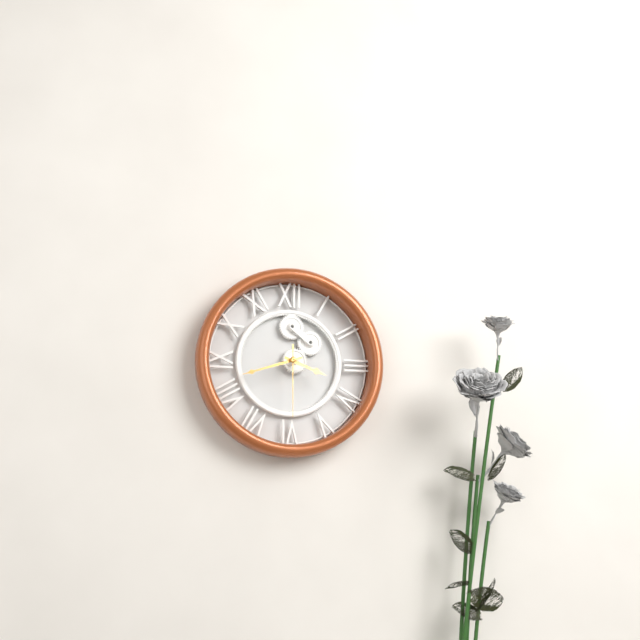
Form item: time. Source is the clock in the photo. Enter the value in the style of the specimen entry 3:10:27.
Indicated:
3:42:30
